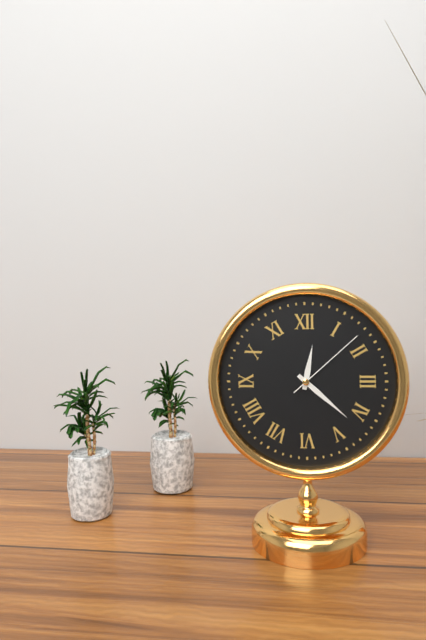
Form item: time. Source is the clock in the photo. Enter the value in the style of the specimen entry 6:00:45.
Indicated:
12:22:08
